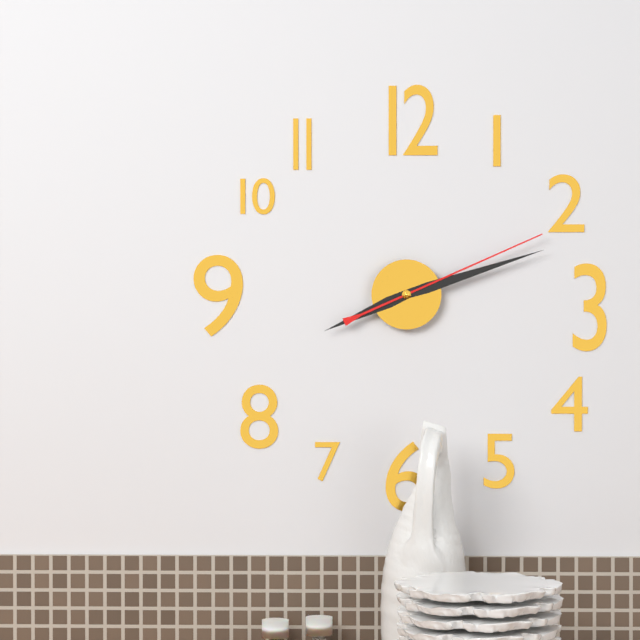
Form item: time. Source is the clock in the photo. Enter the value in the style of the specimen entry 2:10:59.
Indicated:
8:12:11
